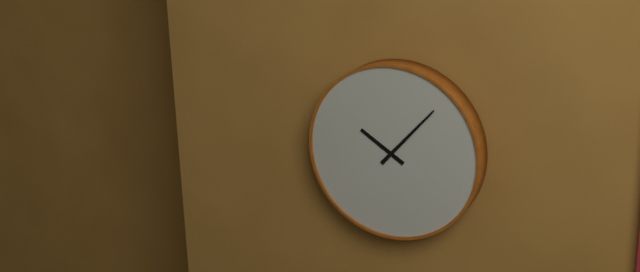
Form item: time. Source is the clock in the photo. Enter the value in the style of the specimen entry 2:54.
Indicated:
10:07
